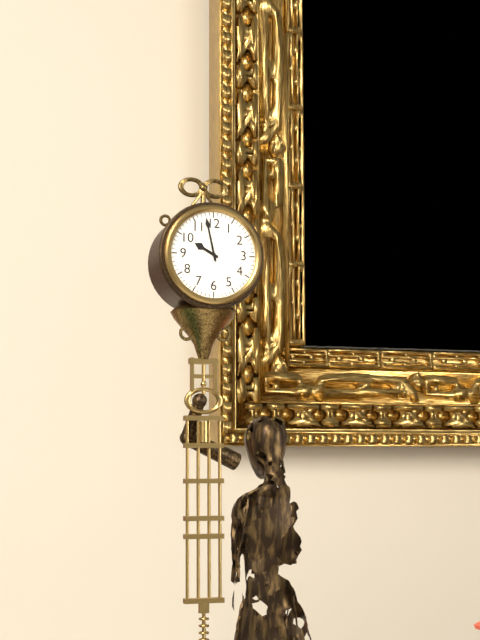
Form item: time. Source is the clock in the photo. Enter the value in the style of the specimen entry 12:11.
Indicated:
9:58
